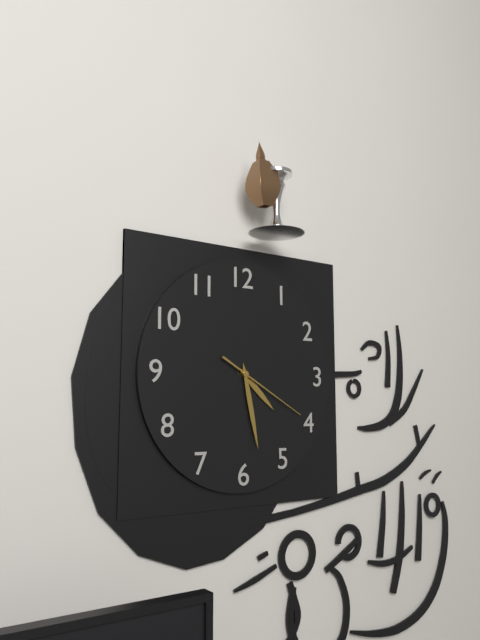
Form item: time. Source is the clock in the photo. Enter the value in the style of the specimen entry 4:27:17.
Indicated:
4:28:20
